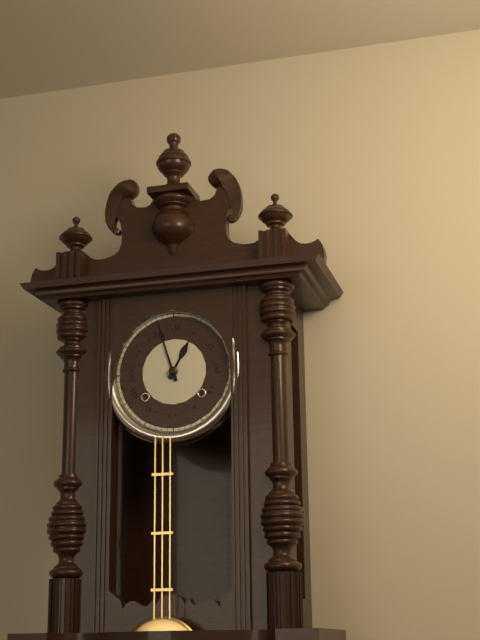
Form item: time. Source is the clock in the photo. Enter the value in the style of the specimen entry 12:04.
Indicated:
12:57
